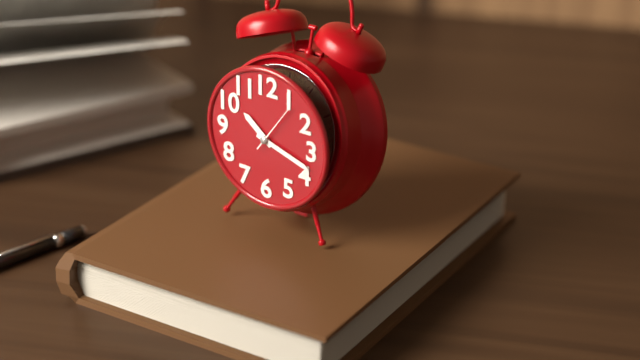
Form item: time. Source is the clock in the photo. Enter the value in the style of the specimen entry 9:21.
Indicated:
10:18
